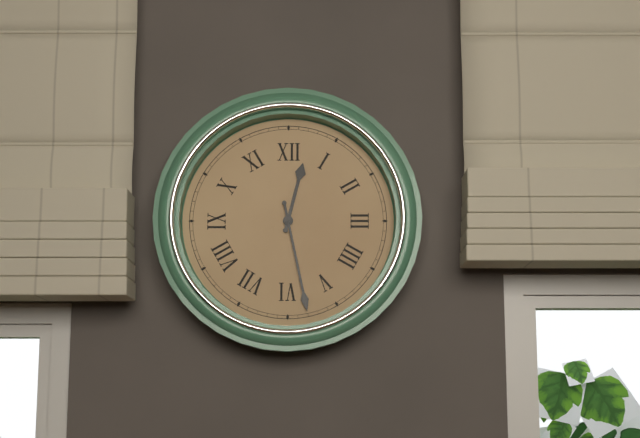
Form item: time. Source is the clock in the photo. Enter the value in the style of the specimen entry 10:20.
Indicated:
12:28
